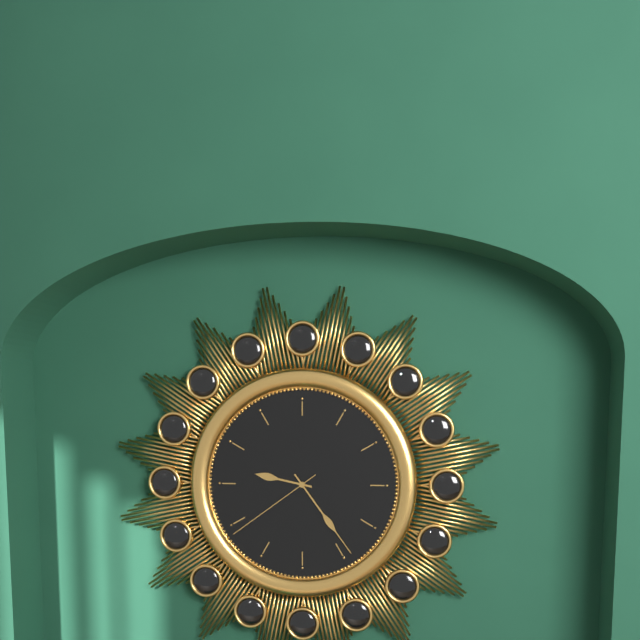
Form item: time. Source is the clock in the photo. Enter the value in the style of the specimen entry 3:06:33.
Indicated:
9:24:39
